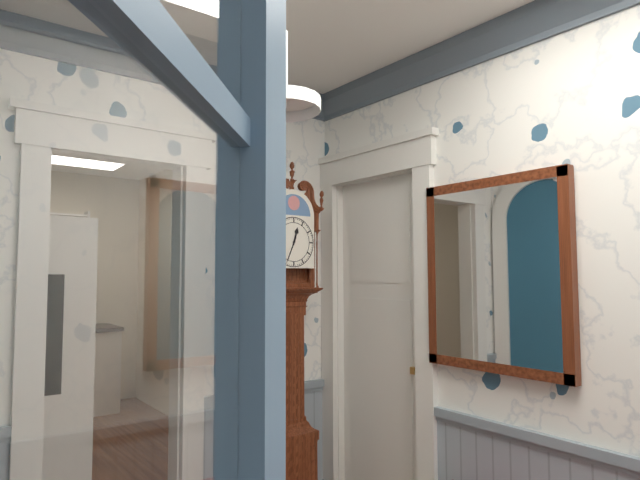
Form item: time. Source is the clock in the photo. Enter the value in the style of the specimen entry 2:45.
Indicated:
12:34
